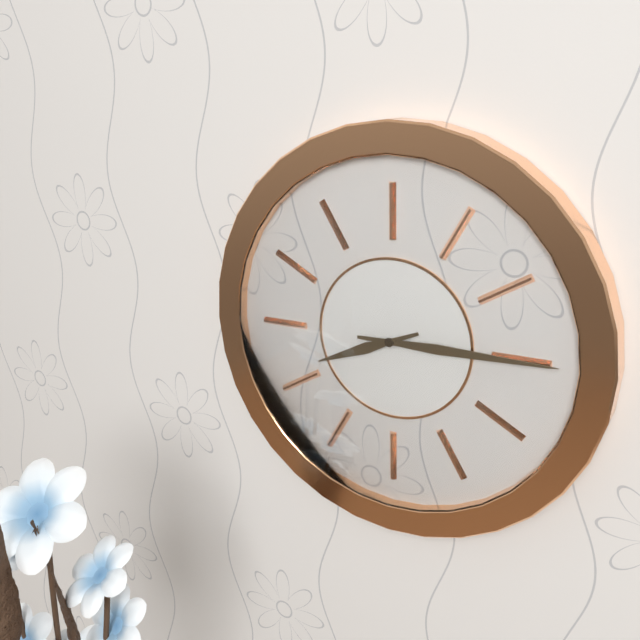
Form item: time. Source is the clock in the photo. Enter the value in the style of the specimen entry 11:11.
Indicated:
8:15
